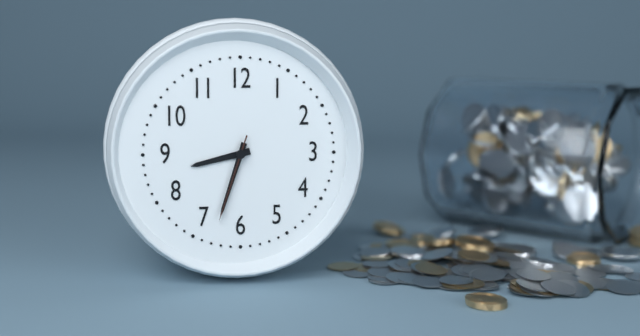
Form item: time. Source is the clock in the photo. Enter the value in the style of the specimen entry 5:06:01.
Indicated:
8:33:33
